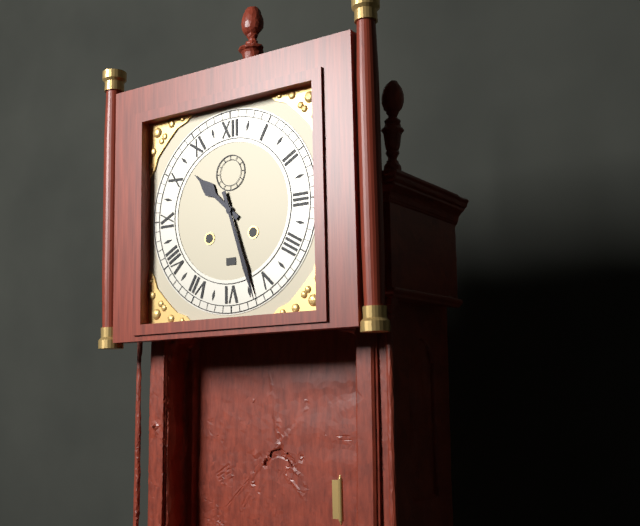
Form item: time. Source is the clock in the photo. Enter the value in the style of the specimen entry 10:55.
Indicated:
10:27
